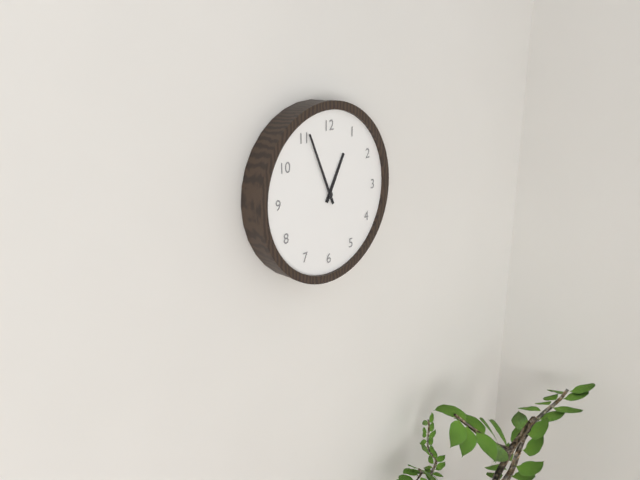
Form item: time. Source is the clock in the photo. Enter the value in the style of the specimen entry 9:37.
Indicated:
12:56
